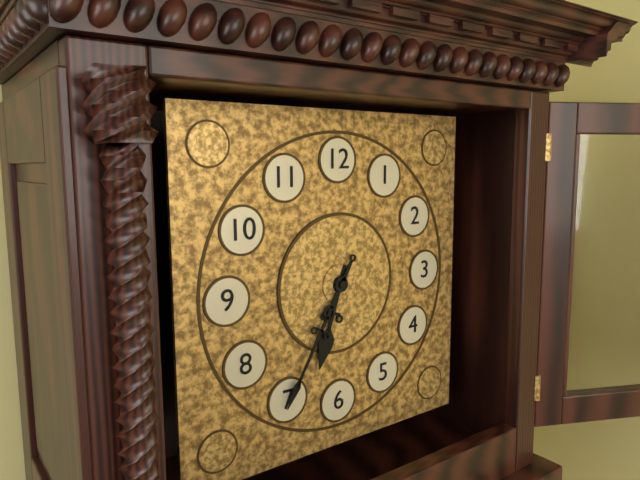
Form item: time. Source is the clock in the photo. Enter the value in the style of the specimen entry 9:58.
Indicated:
6:35
